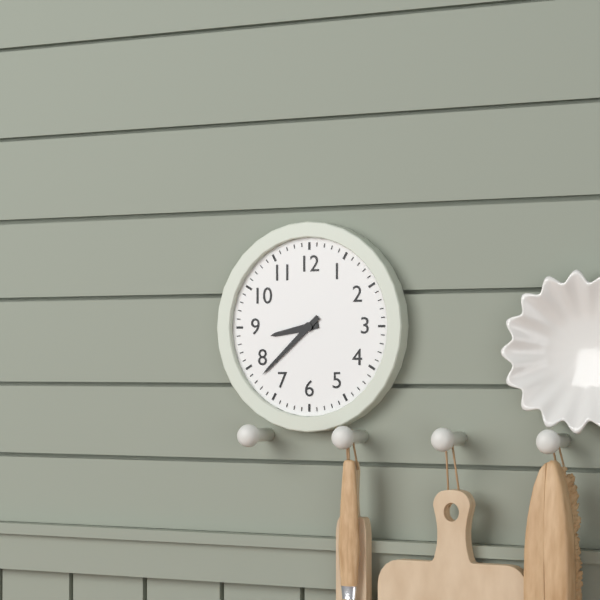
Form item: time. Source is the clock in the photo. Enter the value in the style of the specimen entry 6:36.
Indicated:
8:38
